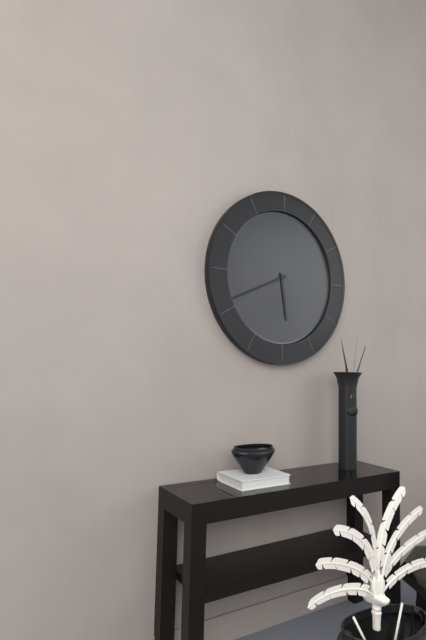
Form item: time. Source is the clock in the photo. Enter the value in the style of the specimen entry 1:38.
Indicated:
5:41
